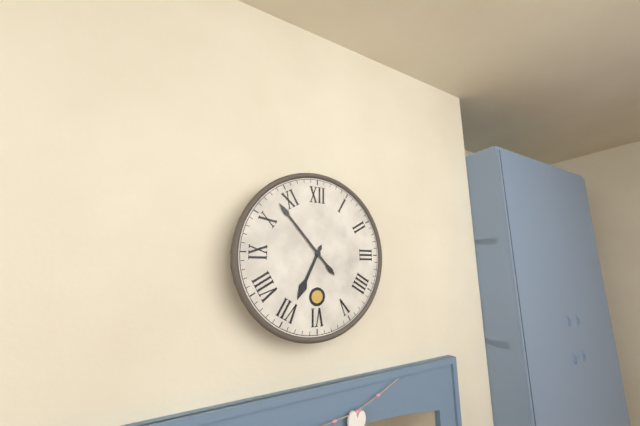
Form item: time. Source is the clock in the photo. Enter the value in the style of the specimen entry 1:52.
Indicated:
6:53
